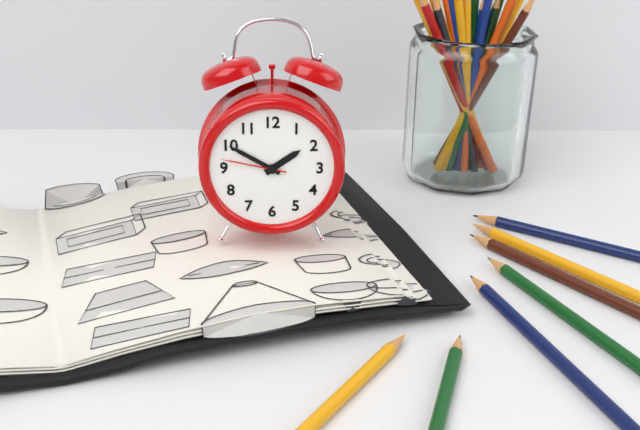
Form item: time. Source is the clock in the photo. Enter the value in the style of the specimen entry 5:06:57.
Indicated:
1:50:47
